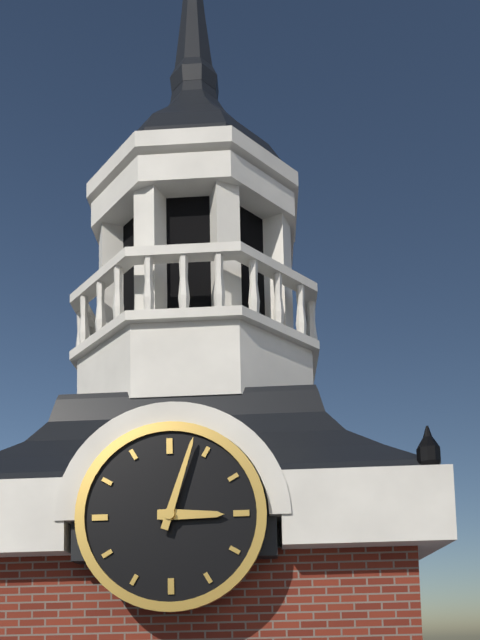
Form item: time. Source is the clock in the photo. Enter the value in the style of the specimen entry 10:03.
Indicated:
3:03
